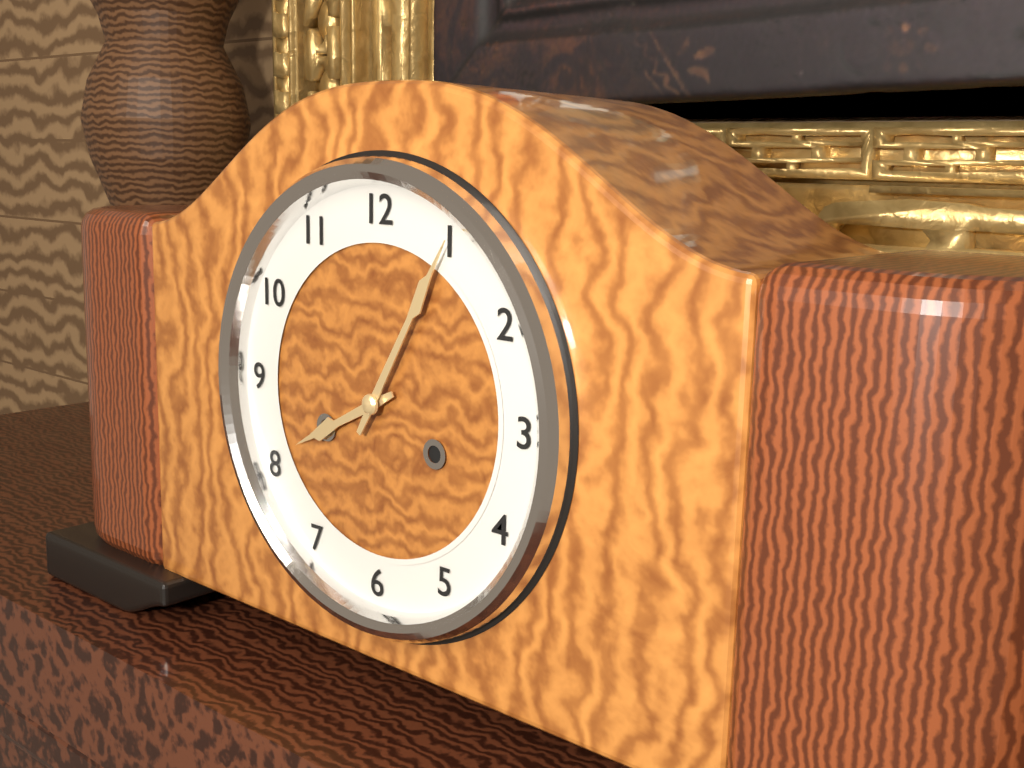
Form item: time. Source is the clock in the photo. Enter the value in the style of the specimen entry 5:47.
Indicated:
8:05
